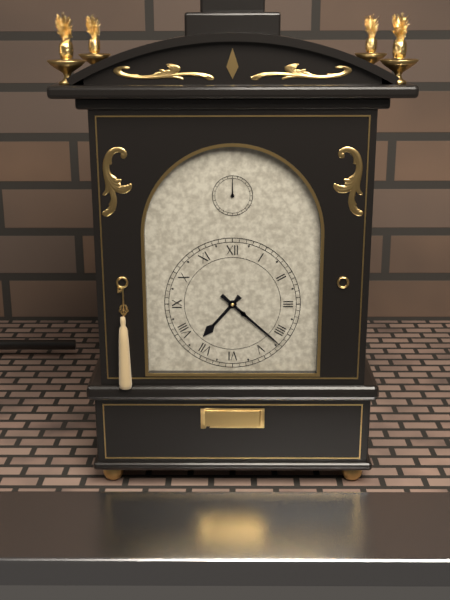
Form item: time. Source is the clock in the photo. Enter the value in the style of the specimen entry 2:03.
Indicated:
7:22
